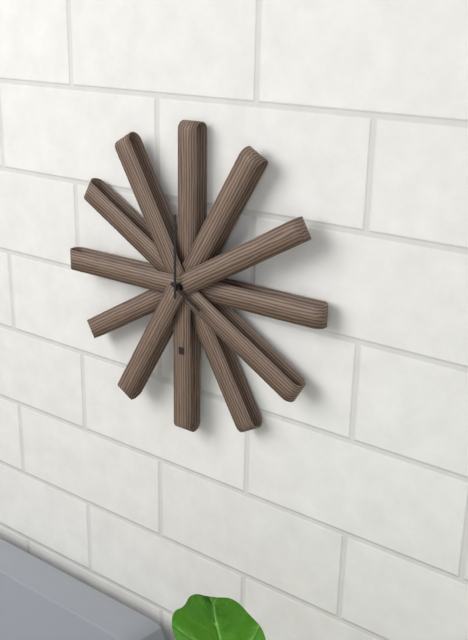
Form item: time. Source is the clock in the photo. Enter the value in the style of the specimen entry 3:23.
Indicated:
4:00
